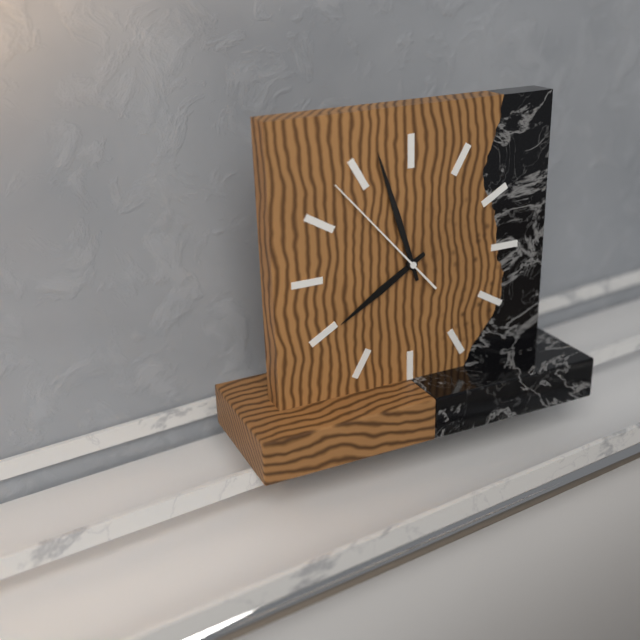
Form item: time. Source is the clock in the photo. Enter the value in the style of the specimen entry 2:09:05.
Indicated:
7:57:53
